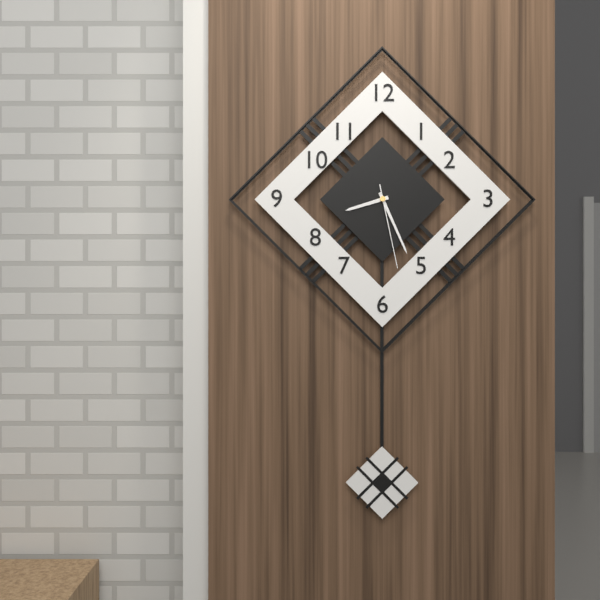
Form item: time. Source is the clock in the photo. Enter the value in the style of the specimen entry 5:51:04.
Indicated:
8:26:28
